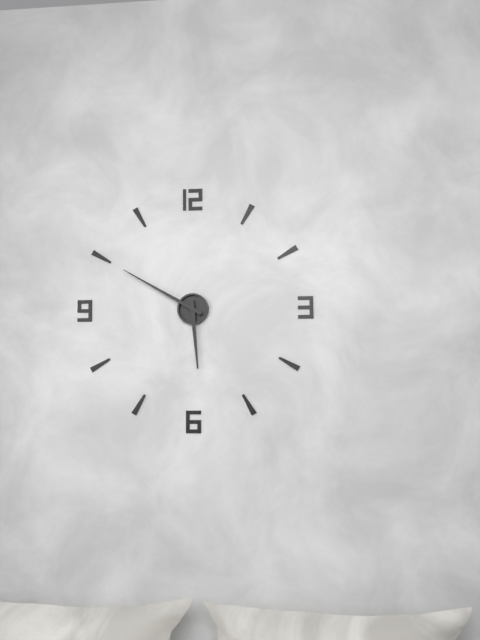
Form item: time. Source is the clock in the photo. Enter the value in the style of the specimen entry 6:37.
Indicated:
5:50
